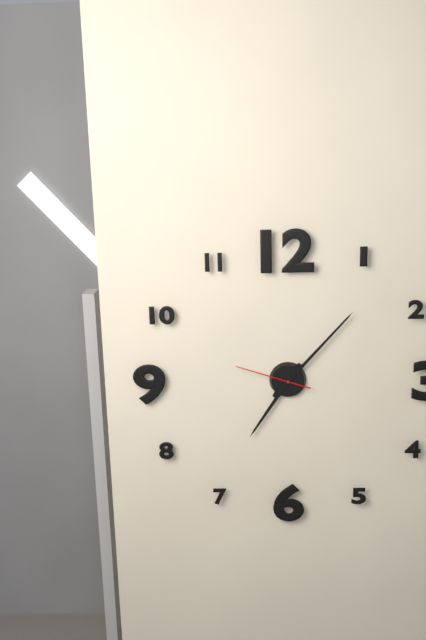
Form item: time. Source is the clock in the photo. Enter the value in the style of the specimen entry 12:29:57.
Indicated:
7:07:48
